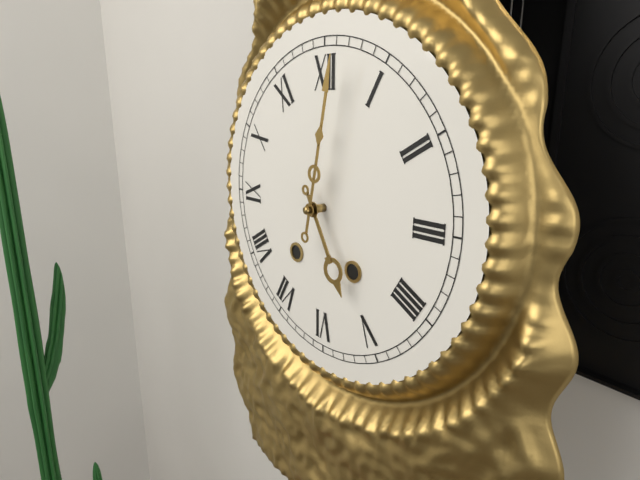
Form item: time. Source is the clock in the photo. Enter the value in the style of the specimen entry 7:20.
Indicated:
5:02
